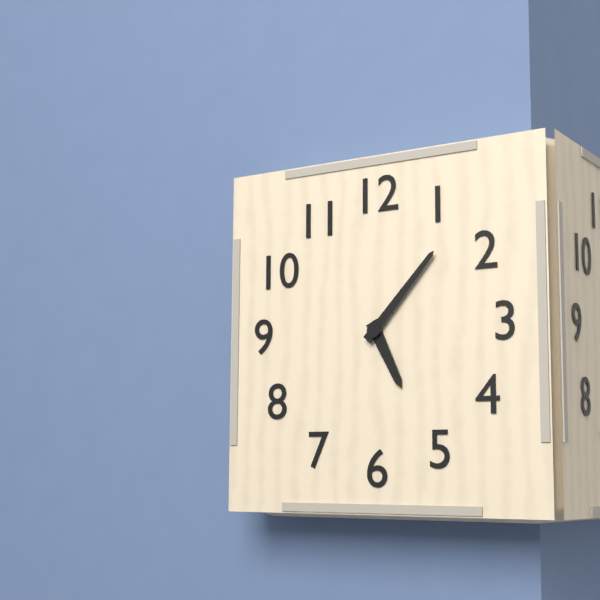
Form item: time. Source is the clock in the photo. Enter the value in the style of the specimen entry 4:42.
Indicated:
5:07
